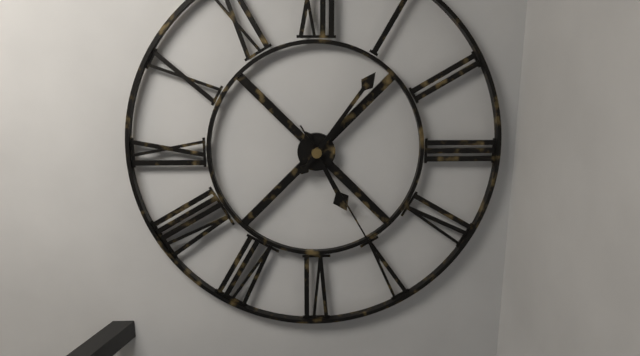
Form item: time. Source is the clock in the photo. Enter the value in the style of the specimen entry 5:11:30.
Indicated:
5:06:25
